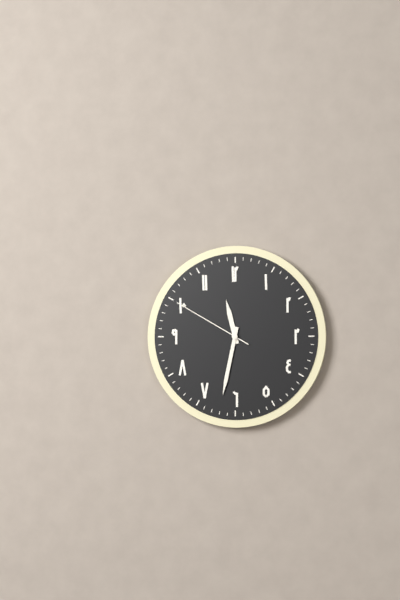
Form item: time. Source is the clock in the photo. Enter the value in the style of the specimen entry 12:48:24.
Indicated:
11:32:50
